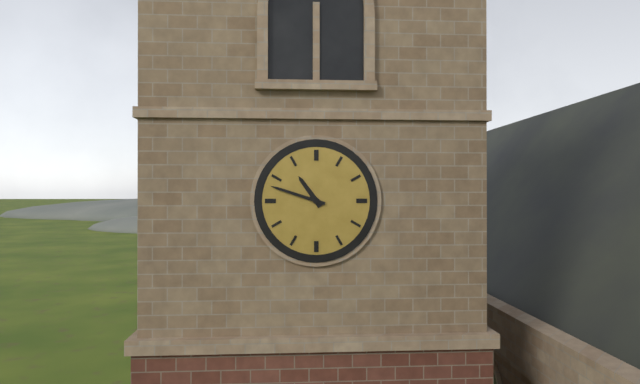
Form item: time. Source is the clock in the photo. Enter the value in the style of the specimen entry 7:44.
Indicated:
10:48
